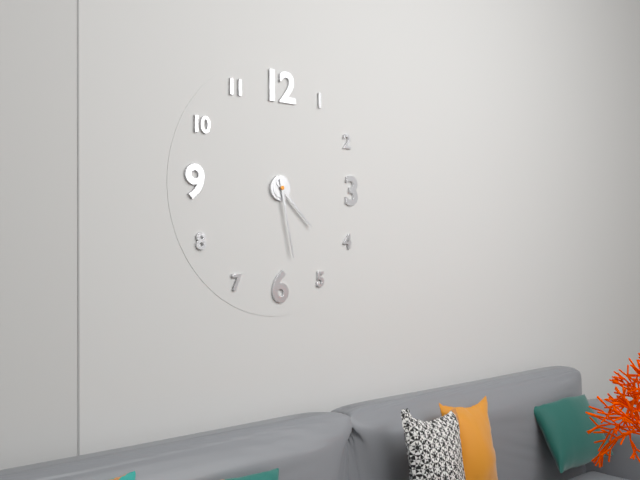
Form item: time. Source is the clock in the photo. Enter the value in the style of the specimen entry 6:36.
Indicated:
4:28
